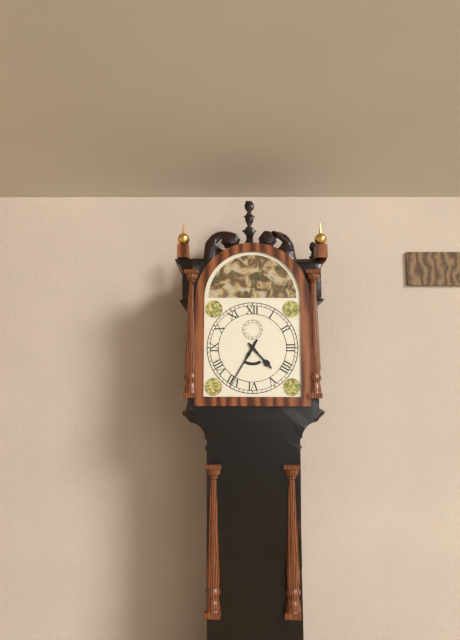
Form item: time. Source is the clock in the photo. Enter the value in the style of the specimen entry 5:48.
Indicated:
4:35
